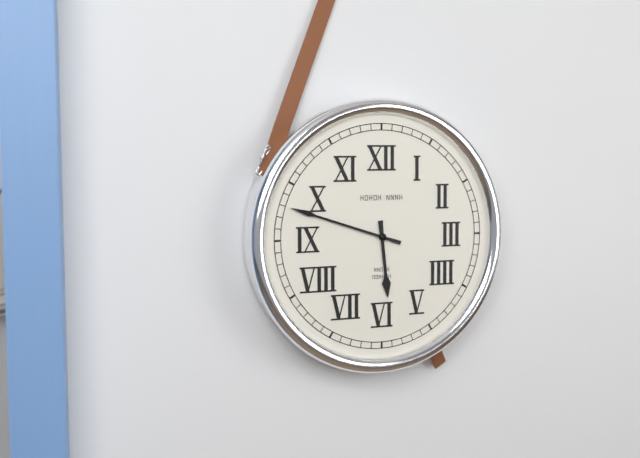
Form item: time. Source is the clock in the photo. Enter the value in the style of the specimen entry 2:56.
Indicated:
5:48
